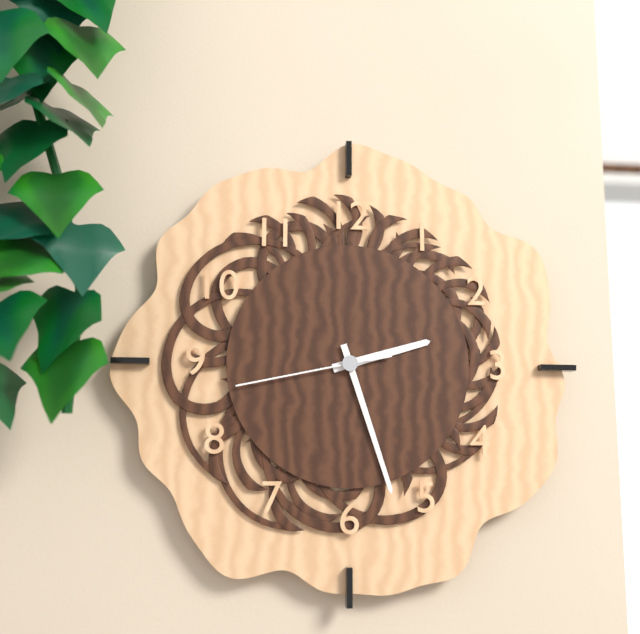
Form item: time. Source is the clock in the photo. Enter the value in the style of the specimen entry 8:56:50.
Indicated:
2:27:43
